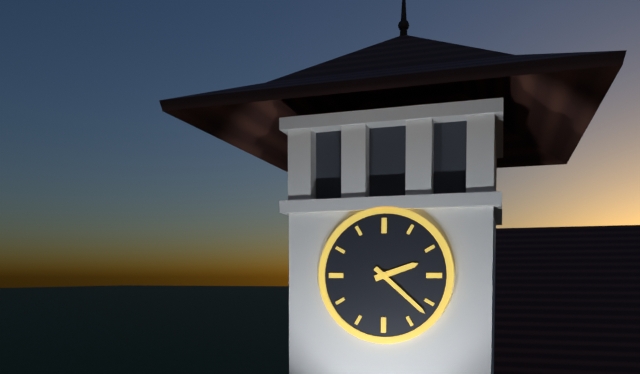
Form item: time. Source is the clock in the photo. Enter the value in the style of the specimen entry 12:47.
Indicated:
2:22
